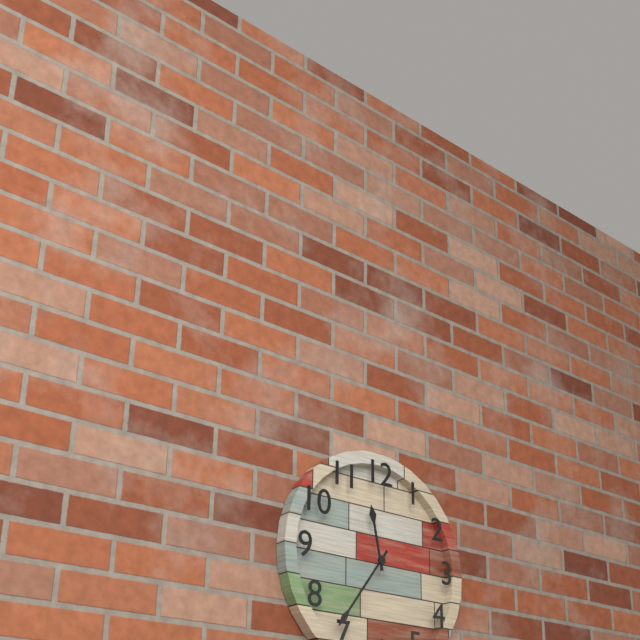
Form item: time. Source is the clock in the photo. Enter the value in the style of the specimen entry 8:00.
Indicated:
11:36
